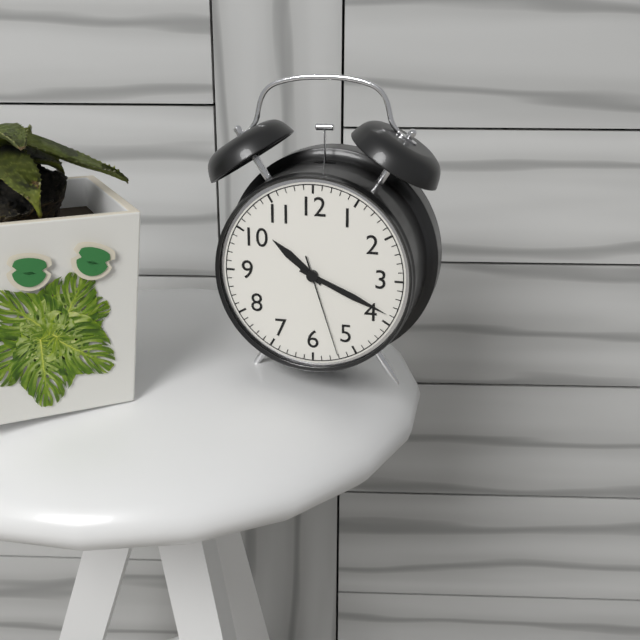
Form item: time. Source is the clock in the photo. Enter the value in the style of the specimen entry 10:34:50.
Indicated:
10:19:27
